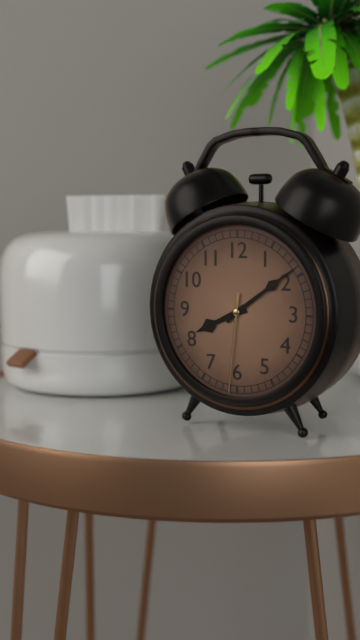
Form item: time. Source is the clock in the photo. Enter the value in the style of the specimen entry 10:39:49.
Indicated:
8:09:31
